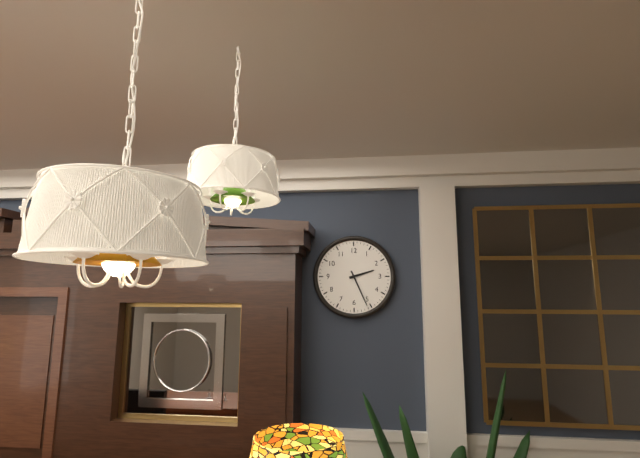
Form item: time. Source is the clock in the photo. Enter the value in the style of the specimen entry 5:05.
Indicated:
2:26
